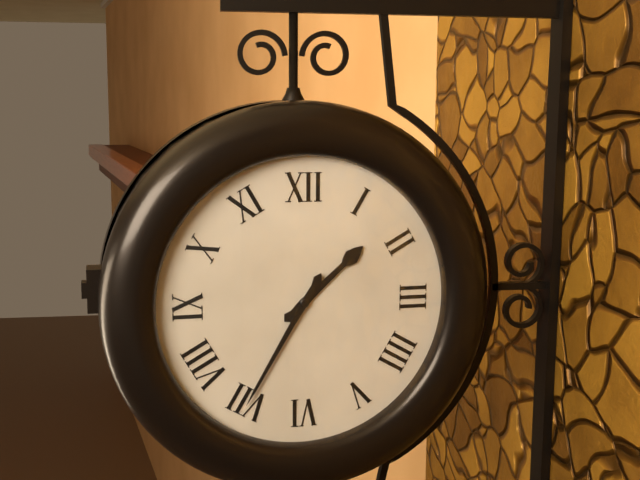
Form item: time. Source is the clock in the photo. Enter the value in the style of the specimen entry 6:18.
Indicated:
1:35
